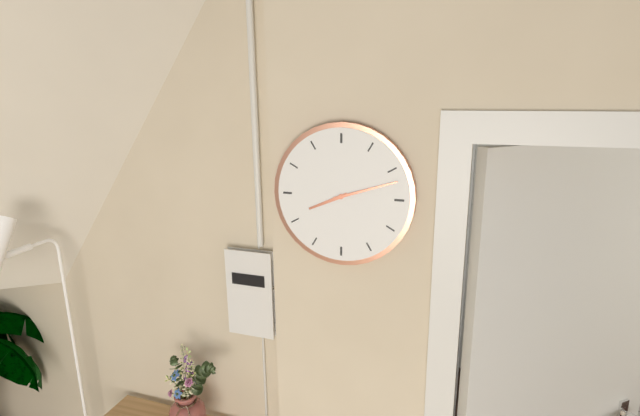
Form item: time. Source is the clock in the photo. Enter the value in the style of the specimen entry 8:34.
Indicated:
8:12
